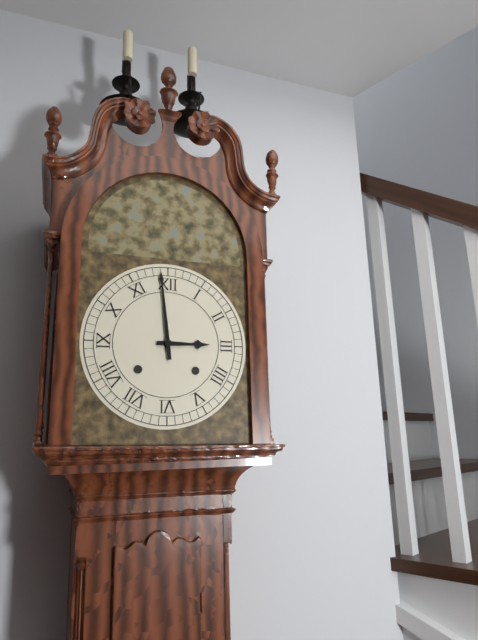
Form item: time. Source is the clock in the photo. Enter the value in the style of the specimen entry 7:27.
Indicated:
2:59
